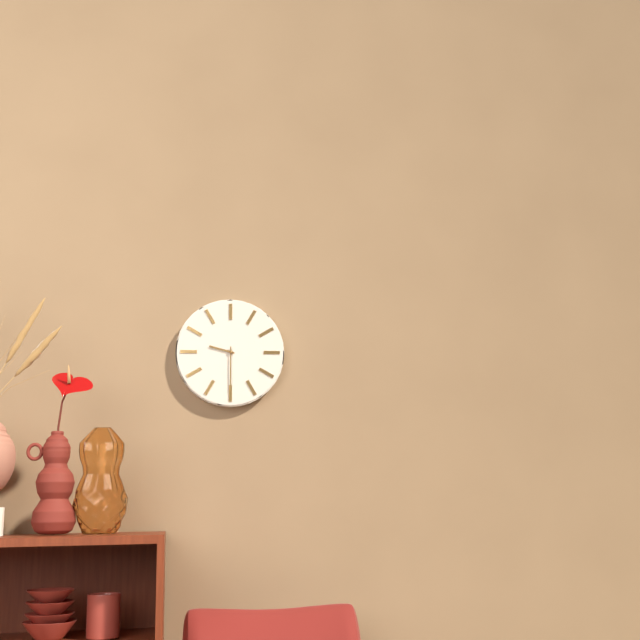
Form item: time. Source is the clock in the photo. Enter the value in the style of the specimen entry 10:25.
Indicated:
9:30
